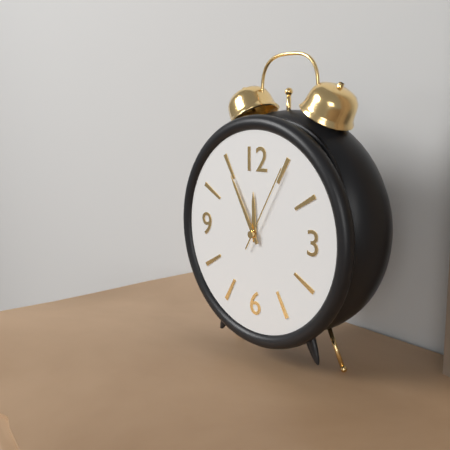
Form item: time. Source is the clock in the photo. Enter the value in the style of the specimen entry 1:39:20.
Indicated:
11:55:05
